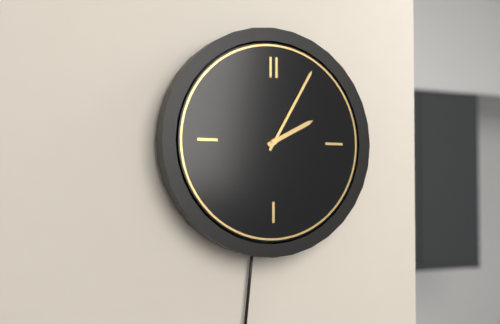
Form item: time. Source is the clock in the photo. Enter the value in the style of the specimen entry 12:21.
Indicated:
2:05
